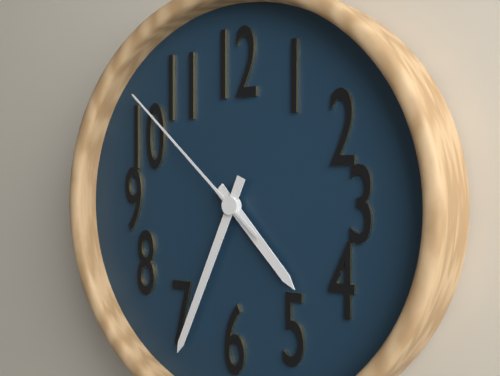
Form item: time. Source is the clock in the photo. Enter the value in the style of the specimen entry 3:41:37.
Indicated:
4:34:52
